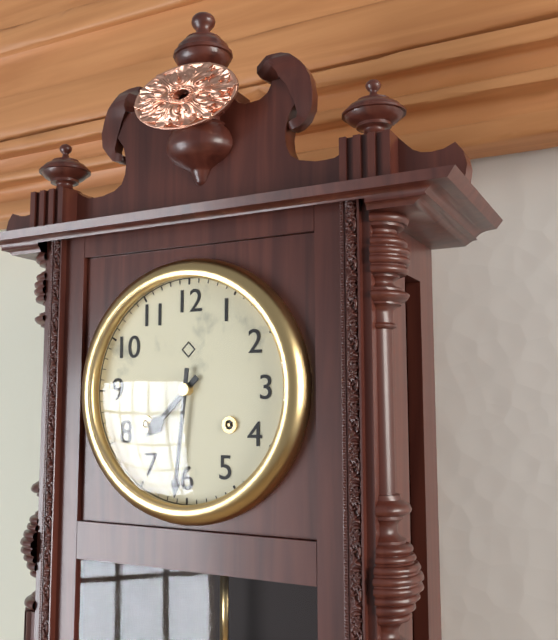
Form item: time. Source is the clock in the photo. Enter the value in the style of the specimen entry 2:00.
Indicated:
7:31
